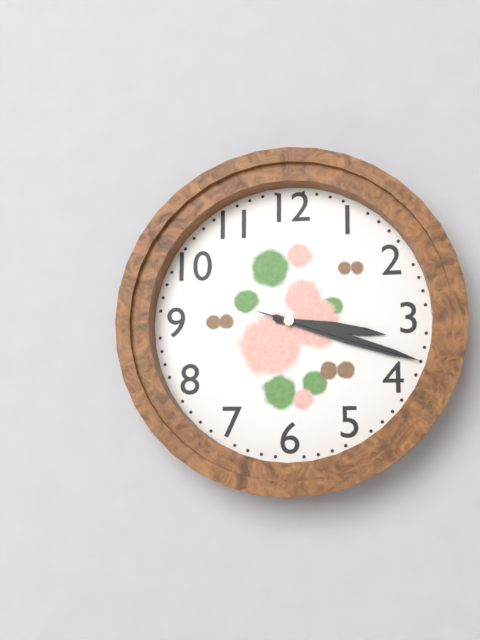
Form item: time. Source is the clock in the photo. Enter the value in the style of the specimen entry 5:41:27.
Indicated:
3:18:18
